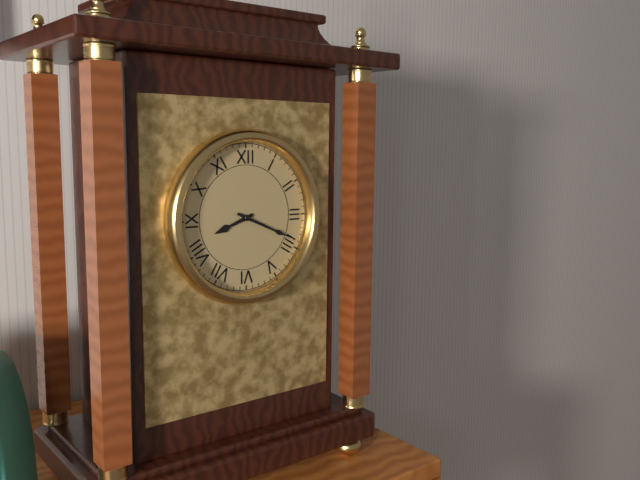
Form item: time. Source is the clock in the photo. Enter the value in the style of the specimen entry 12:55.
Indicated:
8:19
